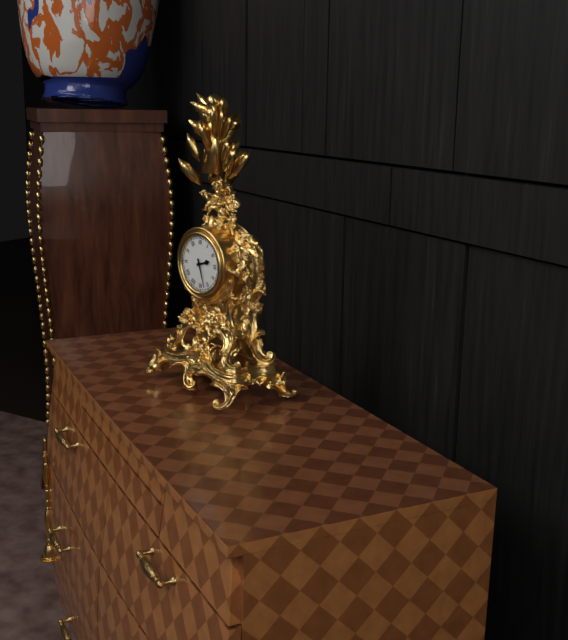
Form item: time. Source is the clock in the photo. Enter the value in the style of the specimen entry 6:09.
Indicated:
2:27
